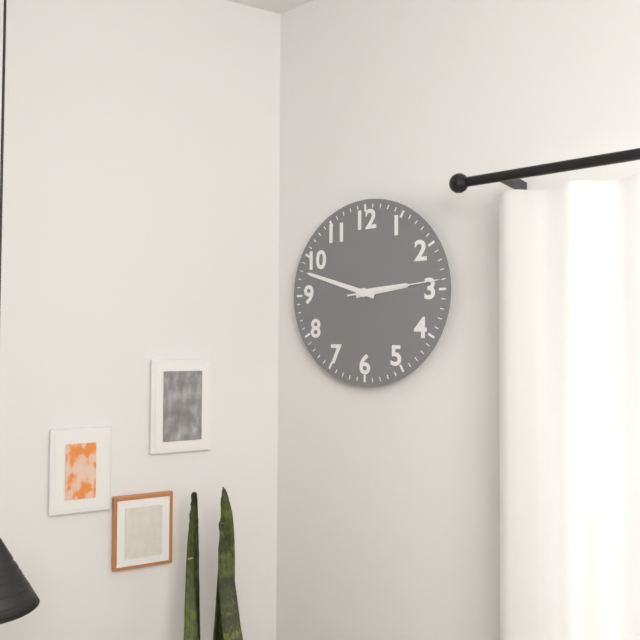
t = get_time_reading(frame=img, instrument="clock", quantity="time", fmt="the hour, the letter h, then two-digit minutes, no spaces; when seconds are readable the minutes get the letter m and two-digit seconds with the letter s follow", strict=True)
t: 2h48m14s
